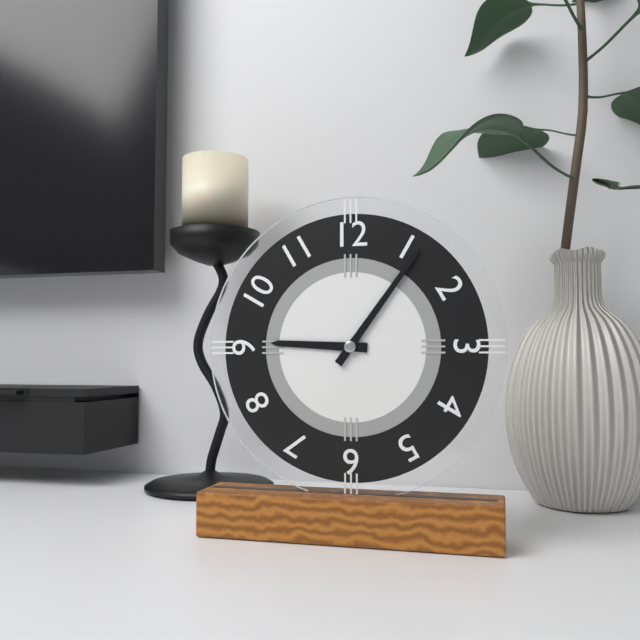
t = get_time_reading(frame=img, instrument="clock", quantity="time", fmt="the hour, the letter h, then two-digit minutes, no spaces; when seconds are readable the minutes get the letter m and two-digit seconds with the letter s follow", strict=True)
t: 9h06
